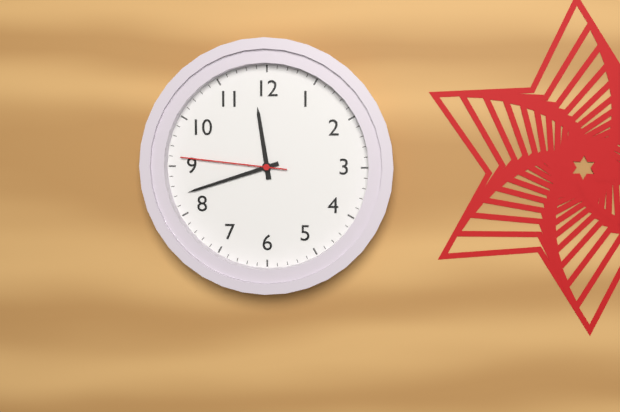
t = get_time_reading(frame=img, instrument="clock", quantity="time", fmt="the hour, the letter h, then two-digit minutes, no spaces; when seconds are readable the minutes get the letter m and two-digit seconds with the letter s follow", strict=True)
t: 11h42m46s
